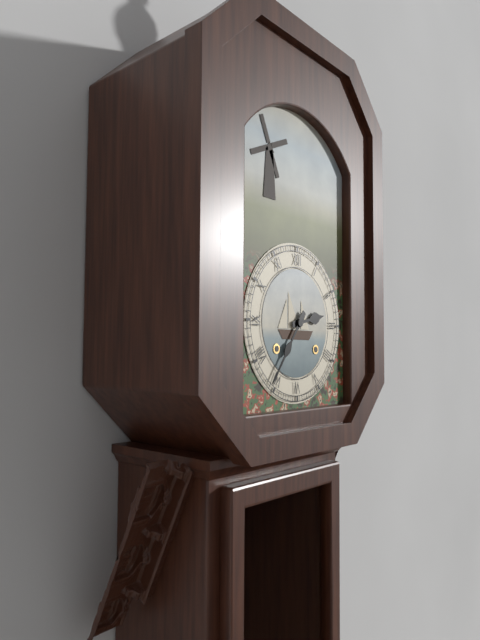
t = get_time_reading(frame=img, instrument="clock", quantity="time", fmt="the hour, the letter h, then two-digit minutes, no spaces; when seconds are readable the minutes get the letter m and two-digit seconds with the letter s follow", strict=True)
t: 2h36
